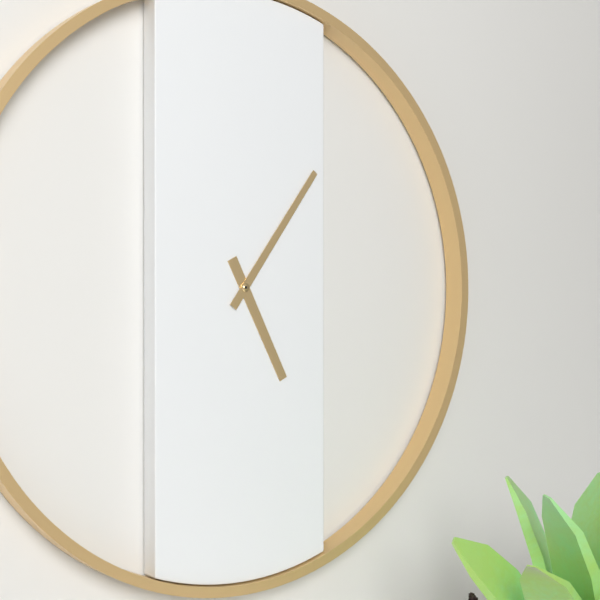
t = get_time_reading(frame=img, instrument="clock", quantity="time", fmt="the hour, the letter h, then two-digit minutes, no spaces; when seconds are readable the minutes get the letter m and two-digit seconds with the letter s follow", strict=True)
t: 5h06
